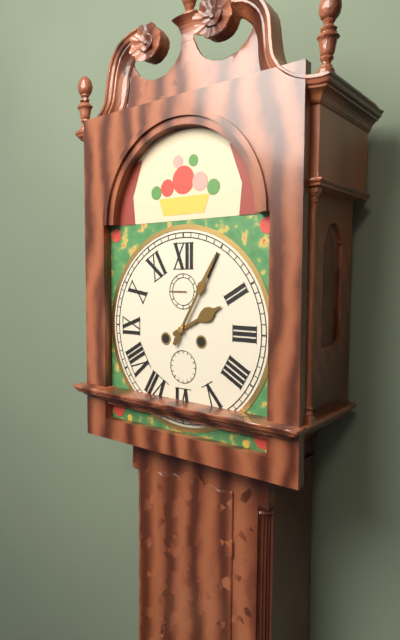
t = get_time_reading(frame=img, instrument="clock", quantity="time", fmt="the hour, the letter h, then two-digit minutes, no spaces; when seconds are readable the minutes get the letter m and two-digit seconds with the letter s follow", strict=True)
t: 2h05
